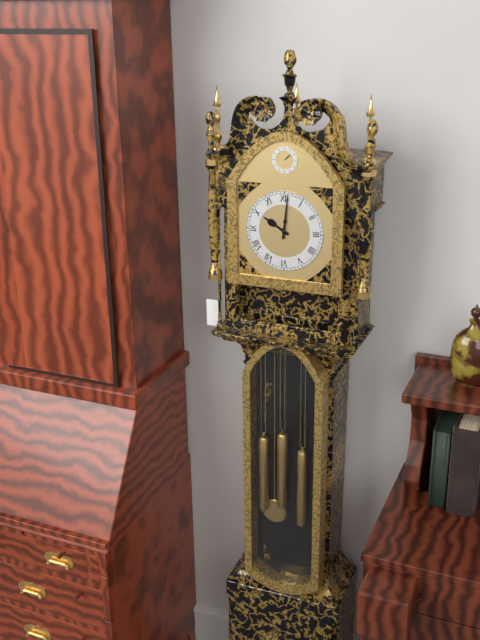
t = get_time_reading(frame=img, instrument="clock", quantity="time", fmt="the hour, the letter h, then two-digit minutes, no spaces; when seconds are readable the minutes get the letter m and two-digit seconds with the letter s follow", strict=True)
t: 10h01
